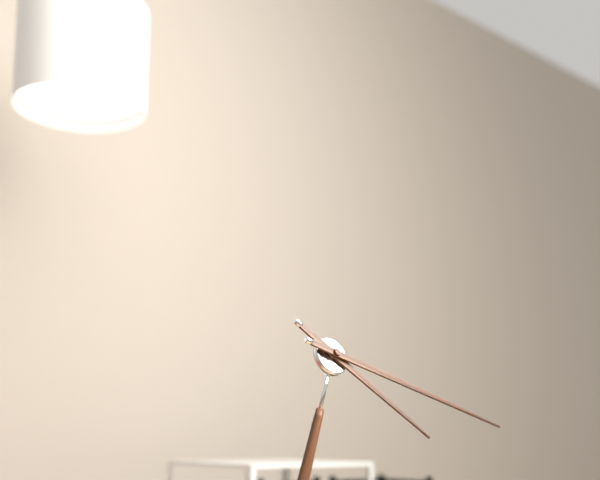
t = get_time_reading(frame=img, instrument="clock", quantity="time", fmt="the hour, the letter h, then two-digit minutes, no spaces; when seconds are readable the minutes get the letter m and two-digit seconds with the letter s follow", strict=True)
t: 4h18
